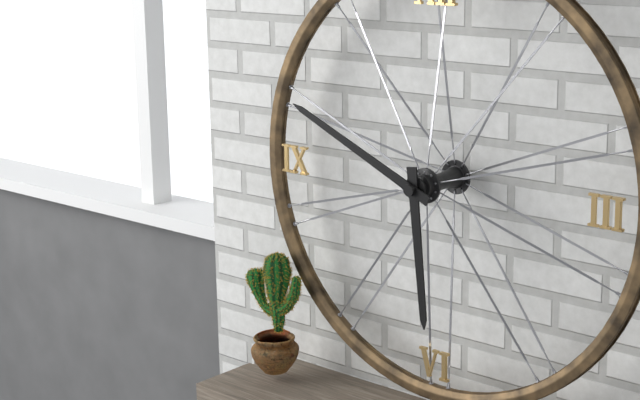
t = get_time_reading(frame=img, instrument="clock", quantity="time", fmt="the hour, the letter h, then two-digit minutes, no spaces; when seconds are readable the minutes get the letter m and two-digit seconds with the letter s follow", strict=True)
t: 5h49
